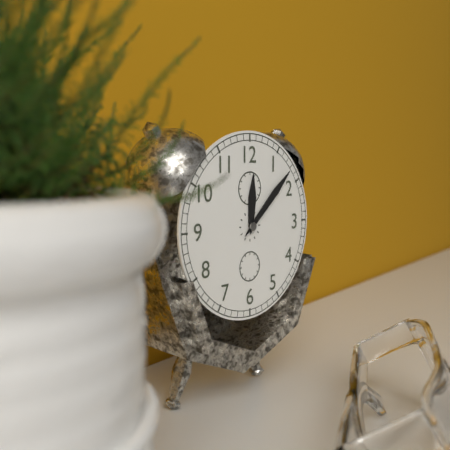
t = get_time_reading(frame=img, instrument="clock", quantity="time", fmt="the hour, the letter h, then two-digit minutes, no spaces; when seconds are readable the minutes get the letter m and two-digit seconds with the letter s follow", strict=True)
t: 12h08
